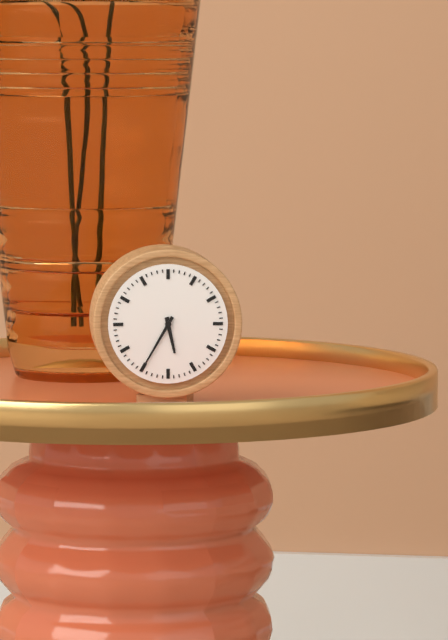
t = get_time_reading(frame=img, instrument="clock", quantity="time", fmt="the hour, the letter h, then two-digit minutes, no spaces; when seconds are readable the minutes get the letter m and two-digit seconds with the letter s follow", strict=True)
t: 5h35
